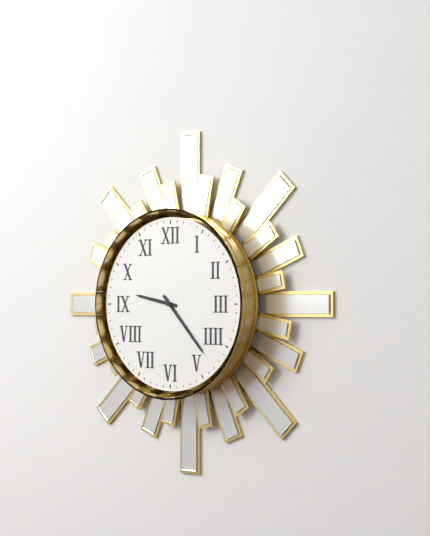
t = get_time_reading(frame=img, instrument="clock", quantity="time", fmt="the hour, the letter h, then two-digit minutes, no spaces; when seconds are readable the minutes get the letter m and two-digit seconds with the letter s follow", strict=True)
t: 9h23
